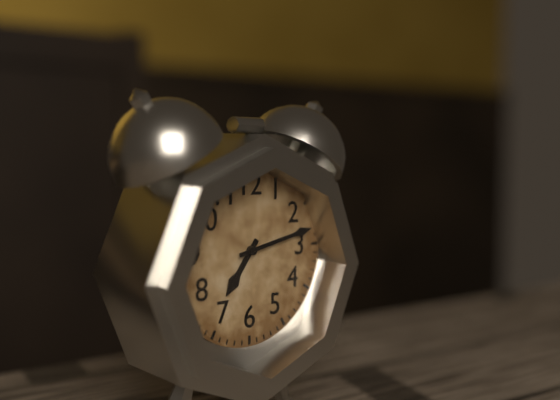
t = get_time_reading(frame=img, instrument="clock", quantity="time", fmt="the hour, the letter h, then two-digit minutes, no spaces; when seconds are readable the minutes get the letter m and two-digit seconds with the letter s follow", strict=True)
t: 7h13
